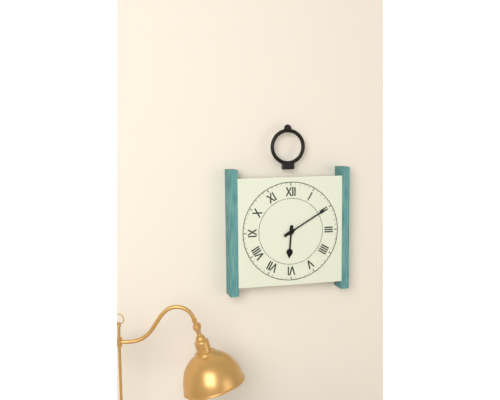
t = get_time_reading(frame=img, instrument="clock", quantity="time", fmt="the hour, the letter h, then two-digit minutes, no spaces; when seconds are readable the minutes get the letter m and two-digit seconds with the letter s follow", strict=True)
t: 6h10
